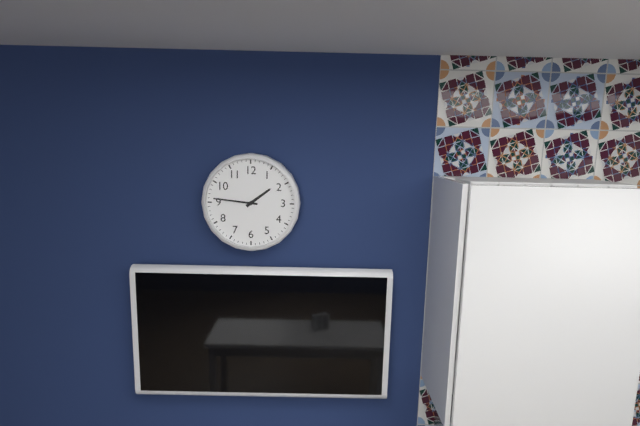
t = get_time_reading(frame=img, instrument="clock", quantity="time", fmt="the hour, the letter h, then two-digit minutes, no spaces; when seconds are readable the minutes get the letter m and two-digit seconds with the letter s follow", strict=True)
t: 1h46
